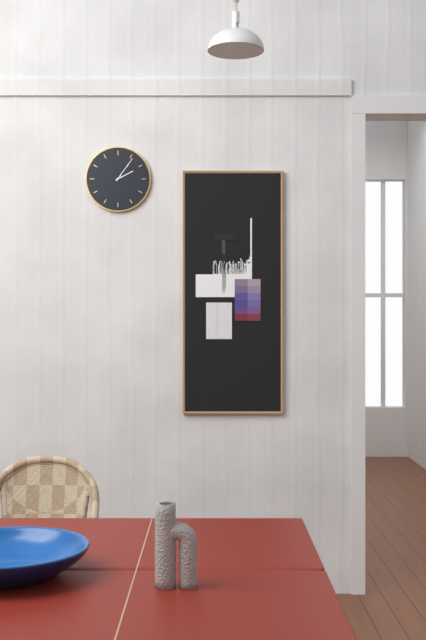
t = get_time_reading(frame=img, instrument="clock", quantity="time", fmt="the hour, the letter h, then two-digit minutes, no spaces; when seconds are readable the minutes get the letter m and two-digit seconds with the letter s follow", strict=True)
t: 2h06
